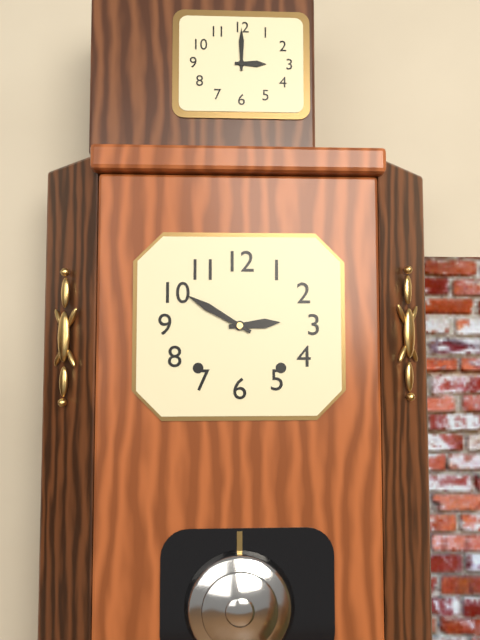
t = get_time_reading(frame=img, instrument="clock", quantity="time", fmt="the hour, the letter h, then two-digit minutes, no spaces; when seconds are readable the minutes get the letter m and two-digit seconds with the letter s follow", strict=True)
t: 2h50
